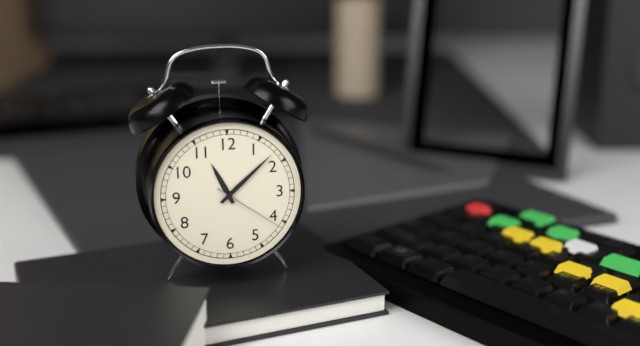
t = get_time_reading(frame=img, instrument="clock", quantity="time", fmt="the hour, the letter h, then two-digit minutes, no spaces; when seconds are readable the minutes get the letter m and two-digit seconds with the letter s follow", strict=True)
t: 11h08m21s
